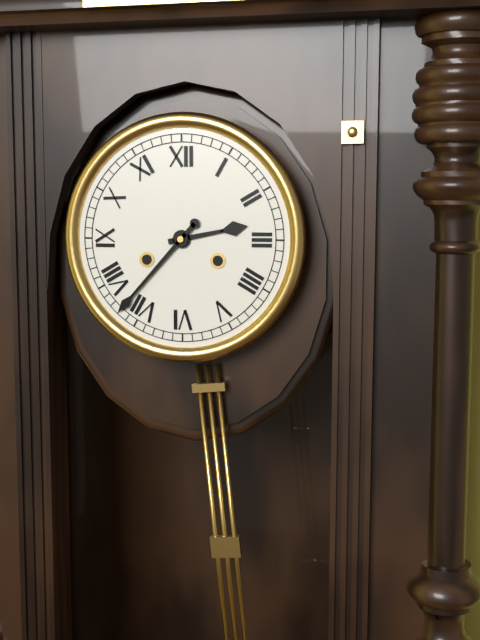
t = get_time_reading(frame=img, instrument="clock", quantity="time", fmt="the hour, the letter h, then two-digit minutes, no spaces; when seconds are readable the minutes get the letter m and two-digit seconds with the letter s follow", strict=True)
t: 2h37
